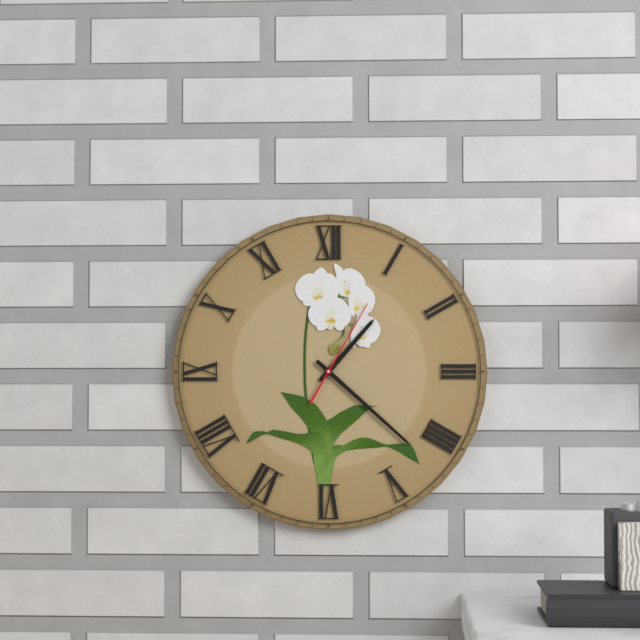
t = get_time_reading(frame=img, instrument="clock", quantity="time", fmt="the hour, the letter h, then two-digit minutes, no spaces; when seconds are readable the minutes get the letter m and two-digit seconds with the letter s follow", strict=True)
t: 1h22m05s
